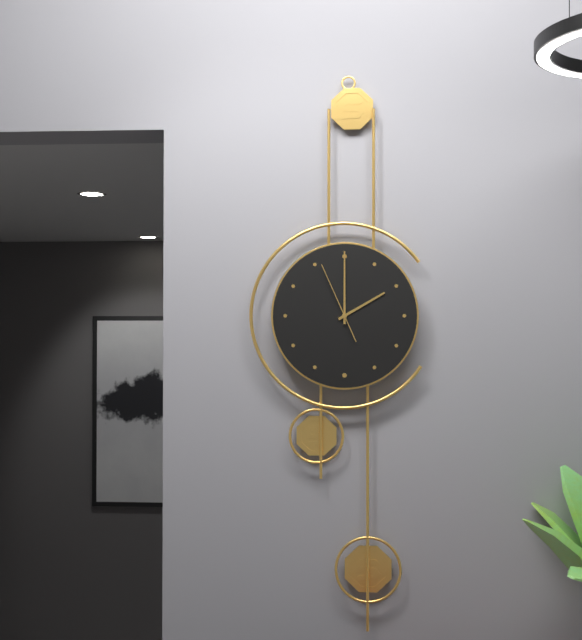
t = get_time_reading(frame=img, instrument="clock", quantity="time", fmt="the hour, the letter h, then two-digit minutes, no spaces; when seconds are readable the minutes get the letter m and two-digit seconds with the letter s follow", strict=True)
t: 2h00m56s
